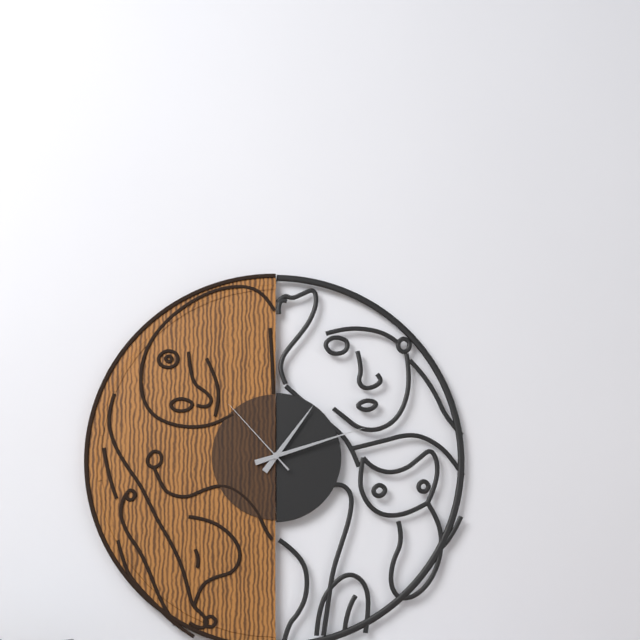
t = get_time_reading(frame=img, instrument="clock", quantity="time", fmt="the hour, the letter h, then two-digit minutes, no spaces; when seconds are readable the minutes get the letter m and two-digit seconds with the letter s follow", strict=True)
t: 1h12m53s
